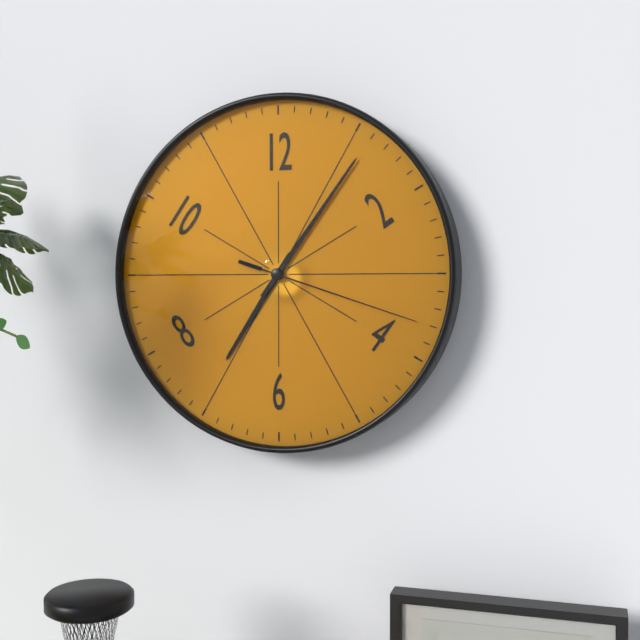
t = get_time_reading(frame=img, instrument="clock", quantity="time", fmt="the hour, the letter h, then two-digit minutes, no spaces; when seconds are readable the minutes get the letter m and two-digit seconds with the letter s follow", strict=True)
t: 7h06m18s
